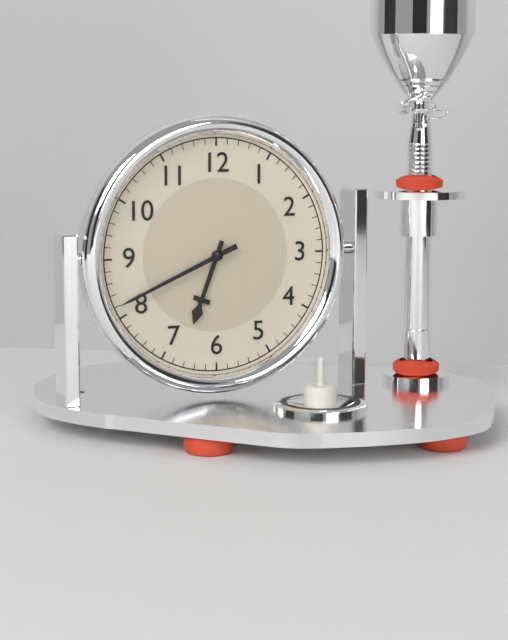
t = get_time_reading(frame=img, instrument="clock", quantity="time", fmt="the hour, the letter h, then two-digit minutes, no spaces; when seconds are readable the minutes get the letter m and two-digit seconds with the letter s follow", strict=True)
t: 6h41
